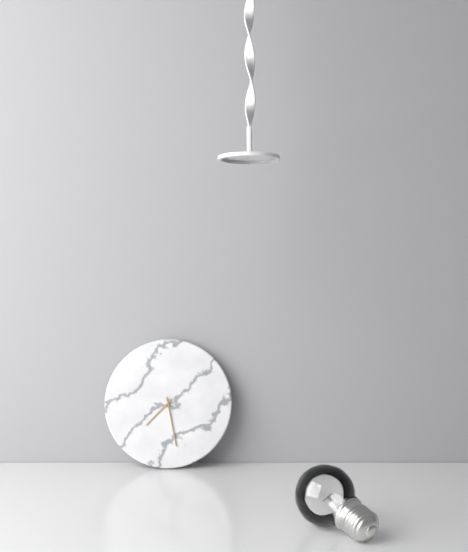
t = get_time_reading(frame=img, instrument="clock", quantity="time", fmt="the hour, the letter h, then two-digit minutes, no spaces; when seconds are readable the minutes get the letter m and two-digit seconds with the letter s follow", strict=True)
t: 7h28
